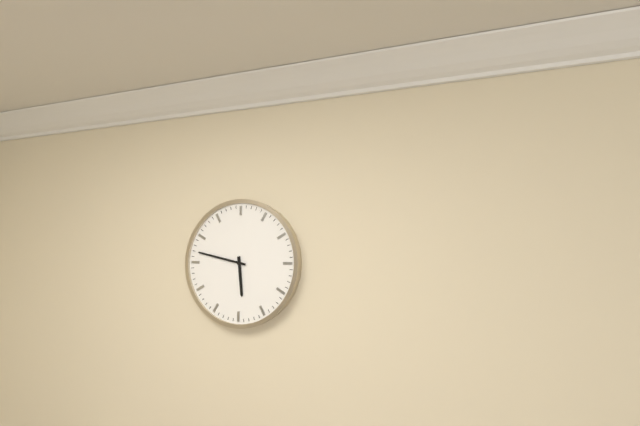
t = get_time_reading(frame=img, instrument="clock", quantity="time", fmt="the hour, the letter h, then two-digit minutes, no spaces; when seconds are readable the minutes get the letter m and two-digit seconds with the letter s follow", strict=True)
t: 5h47
